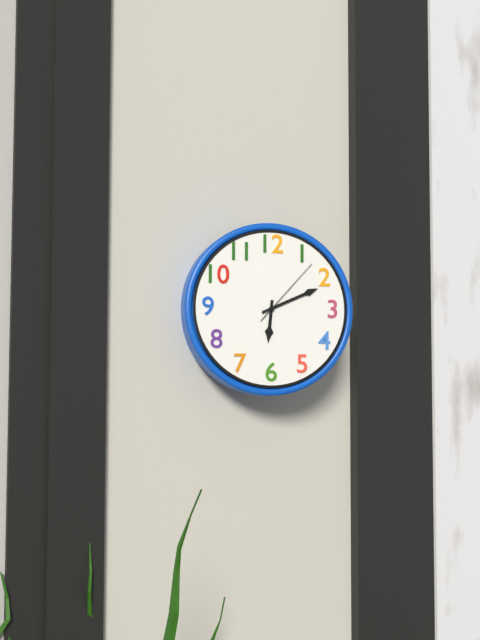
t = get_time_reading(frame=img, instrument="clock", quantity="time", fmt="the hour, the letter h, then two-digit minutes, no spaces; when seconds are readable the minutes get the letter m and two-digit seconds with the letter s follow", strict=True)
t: 6h11m07s
